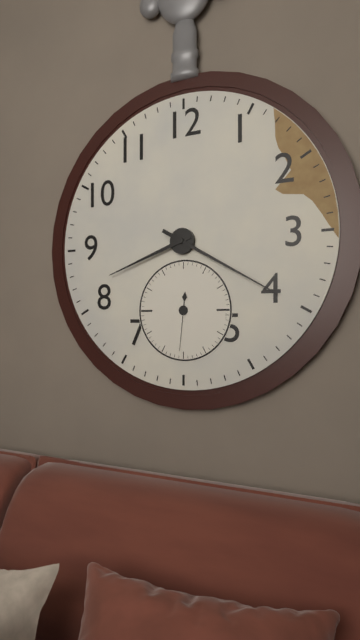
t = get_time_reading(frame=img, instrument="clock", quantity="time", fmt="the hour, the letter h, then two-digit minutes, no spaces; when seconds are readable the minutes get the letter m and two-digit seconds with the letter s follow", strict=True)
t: 8h20m31s
